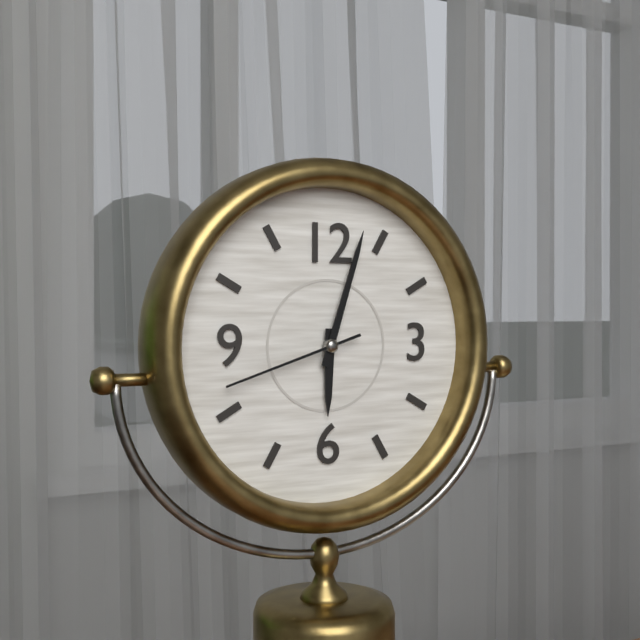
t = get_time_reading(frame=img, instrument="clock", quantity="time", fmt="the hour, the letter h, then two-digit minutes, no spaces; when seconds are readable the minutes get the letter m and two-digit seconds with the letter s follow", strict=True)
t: 6h03m42s
